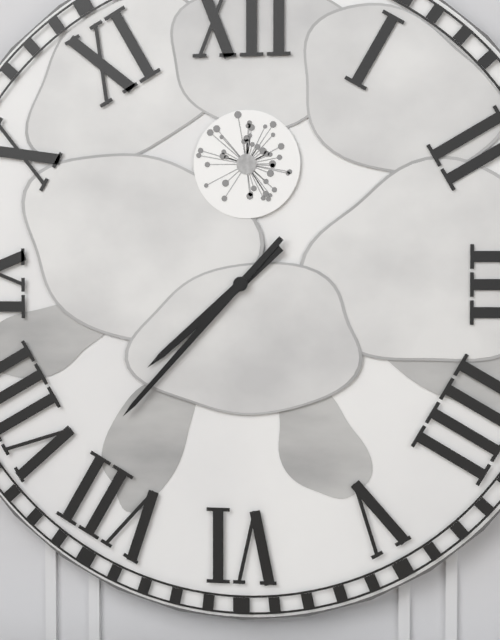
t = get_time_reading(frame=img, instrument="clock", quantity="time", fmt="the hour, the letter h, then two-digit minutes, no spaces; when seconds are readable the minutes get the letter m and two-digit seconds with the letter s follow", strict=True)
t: 7h37
